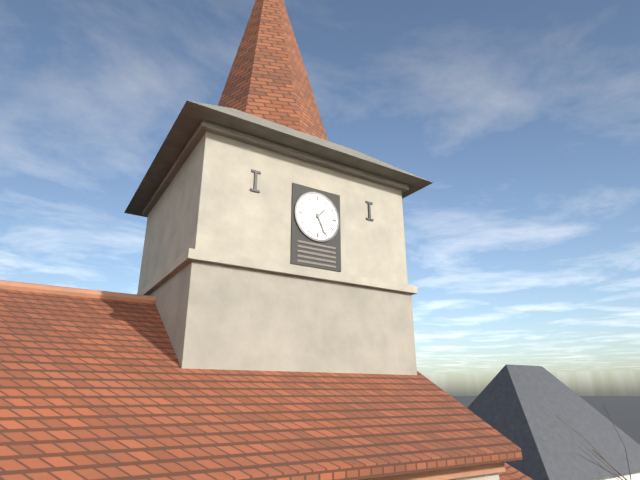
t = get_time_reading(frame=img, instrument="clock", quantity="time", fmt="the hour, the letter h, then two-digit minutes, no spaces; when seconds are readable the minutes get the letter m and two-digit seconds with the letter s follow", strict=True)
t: 1h26
